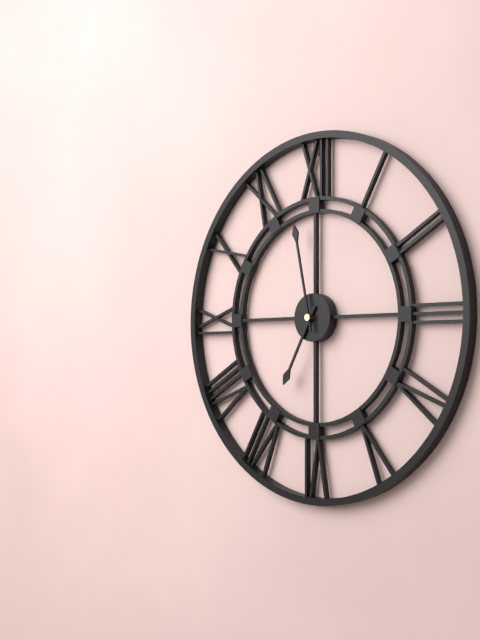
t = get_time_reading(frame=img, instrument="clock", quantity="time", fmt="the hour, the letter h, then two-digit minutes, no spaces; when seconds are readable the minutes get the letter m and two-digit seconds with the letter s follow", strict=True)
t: 6h58
